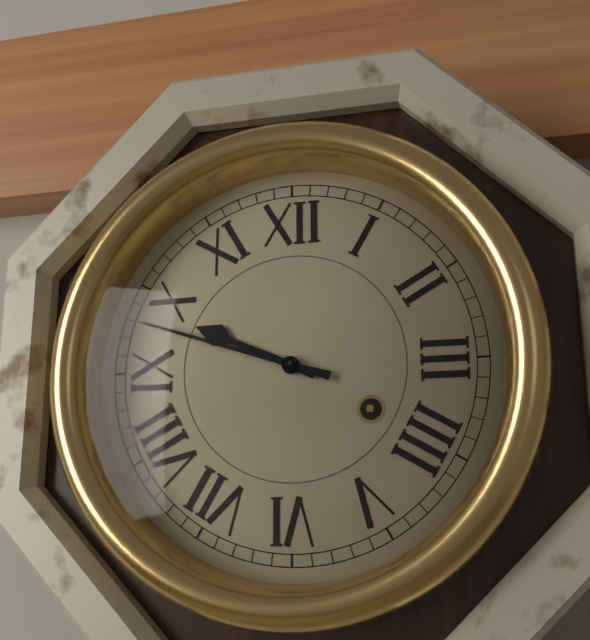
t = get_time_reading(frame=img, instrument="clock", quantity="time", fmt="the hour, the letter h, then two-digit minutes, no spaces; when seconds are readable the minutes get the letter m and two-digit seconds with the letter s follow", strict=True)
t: 9h48
